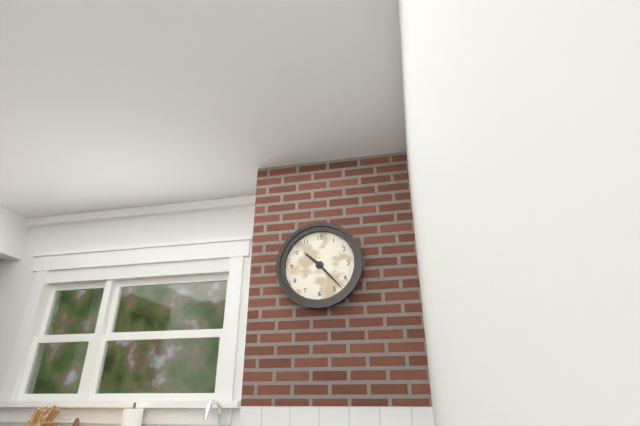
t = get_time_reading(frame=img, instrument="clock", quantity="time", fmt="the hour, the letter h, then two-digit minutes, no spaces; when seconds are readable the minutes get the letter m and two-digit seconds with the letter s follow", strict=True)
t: 10h23
